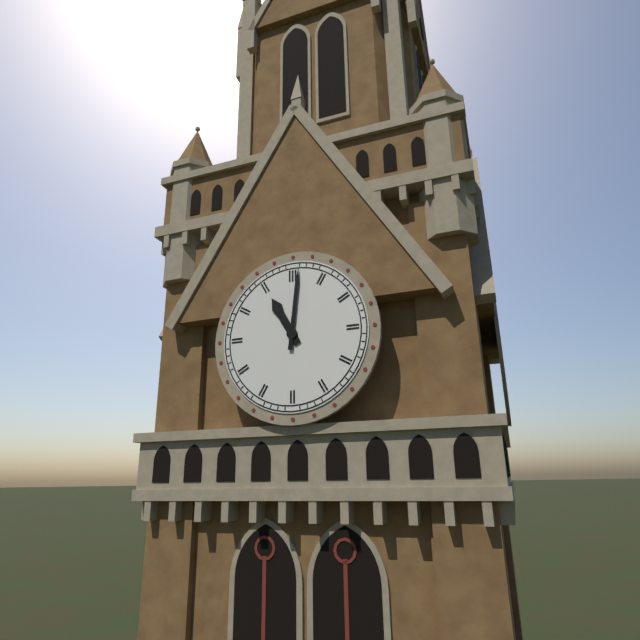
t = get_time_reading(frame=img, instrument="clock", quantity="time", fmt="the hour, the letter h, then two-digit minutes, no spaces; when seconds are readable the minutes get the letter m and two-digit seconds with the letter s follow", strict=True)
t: 11h01
